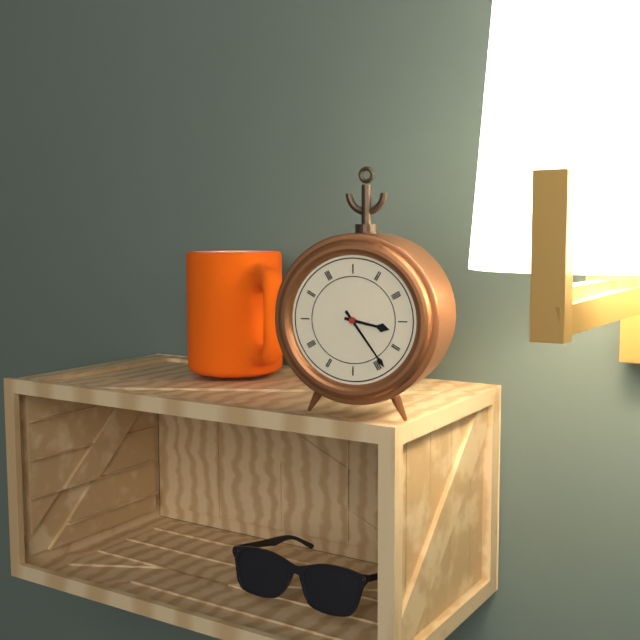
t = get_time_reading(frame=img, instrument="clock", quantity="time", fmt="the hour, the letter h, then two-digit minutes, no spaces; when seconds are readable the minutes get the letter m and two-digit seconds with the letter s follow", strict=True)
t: 3h24
